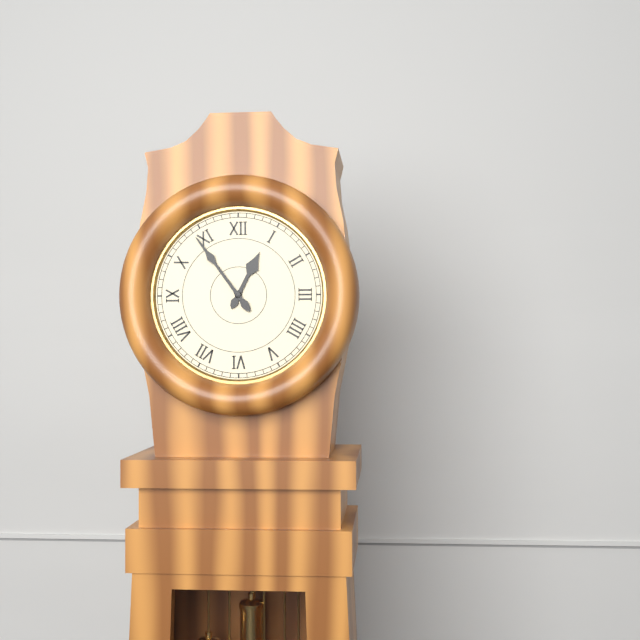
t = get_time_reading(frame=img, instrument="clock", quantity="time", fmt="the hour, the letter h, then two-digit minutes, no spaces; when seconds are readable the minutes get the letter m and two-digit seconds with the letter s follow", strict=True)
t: 12h54
